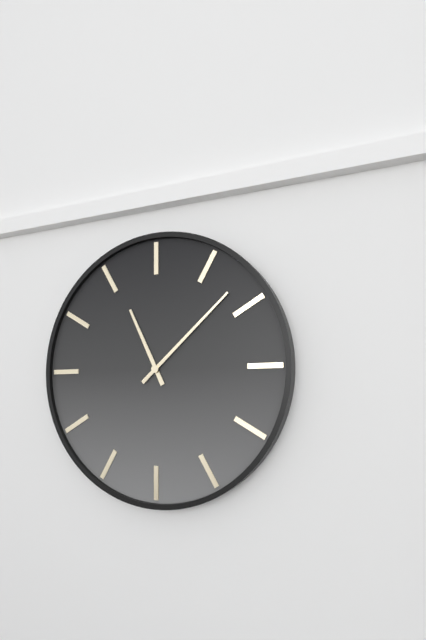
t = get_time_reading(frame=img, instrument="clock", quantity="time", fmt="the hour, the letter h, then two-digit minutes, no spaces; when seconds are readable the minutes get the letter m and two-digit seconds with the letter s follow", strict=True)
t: 11h08
